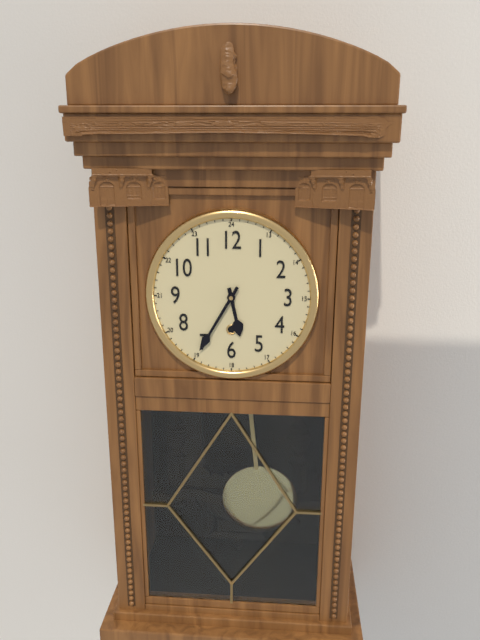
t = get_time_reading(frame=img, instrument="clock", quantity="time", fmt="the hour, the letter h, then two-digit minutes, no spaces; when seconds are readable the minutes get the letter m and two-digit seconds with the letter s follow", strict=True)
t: 5h35
